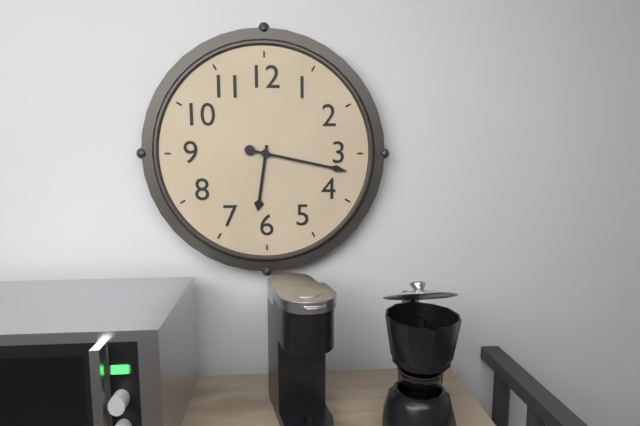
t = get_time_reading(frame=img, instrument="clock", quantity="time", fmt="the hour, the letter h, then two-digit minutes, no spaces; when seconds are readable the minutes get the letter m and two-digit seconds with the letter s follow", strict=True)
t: 6h17
